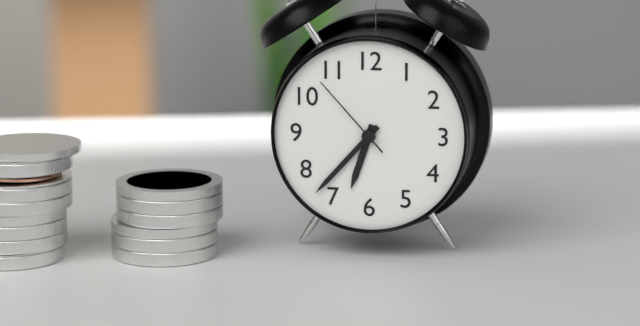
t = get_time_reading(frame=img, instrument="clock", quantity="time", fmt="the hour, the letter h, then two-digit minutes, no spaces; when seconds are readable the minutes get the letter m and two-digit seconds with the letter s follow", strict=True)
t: 6h37m53s
